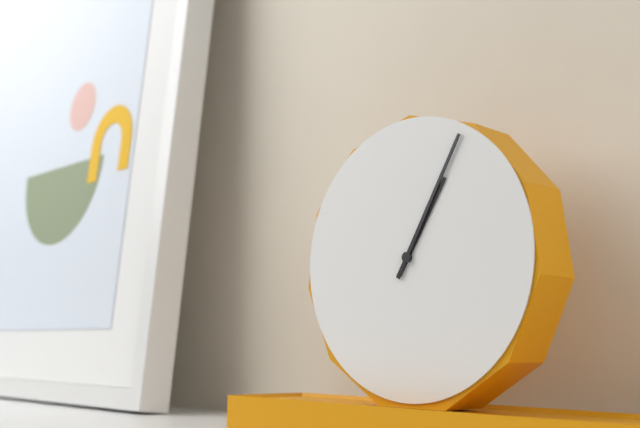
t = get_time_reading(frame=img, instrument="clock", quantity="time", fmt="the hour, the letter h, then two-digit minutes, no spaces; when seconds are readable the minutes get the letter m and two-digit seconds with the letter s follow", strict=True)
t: 1h05
